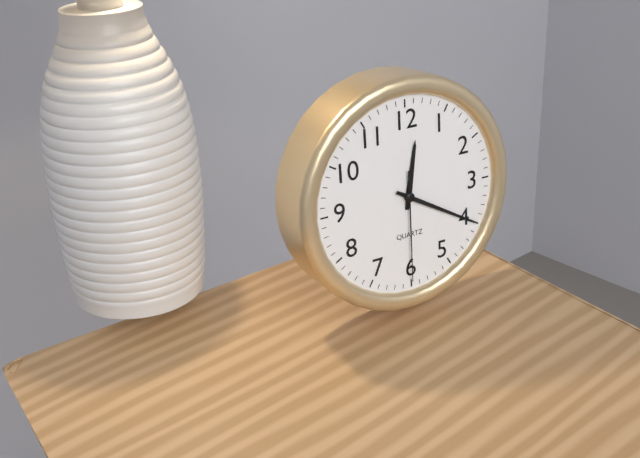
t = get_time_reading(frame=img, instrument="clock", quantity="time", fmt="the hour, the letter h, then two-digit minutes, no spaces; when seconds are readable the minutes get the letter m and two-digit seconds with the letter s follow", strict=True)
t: 12h20m30s
